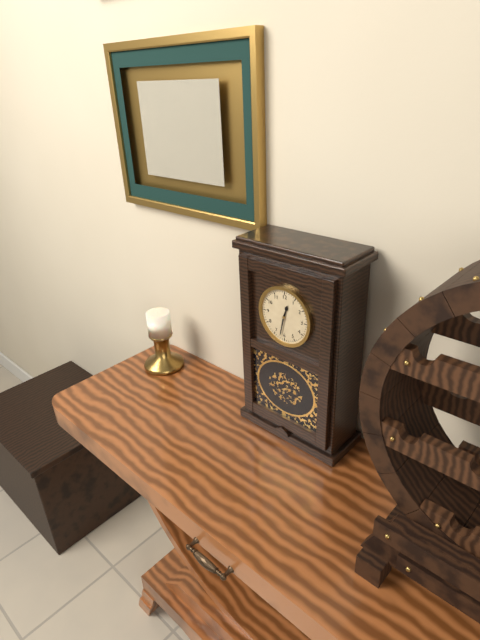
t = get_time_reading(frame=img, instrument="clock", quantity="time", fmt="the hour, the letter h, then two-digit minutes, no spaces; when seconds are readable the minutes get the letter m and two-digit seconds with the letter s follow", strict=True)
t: 12h32
